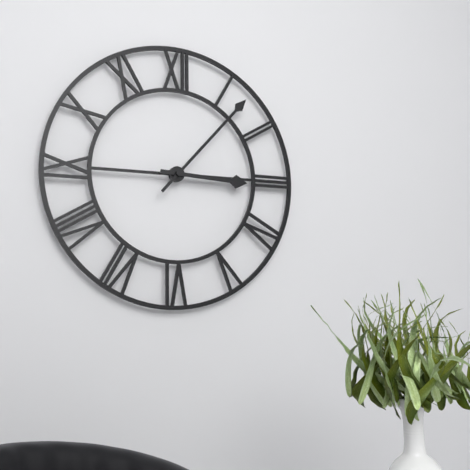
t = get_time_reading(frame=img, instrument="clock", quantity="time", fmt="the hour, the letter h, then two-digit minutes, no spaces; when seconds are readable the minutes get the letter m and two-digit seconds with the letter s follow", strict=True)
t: 3h07
